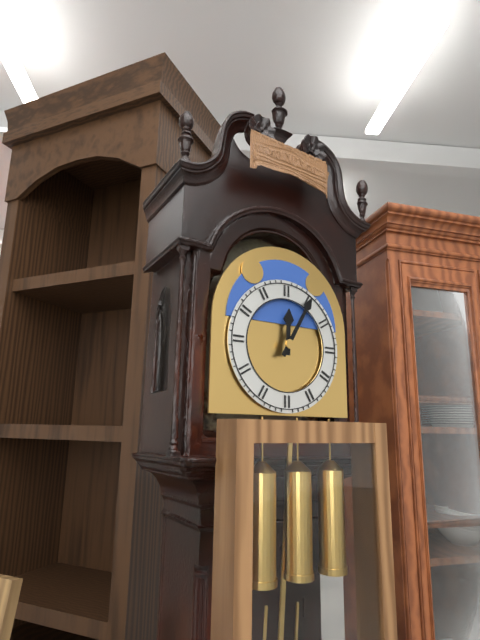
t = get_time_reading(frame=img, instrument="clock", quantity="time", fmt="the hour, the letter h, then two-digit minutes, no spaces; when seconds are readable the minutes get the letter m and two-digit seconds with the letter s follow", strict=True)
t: 12h05
